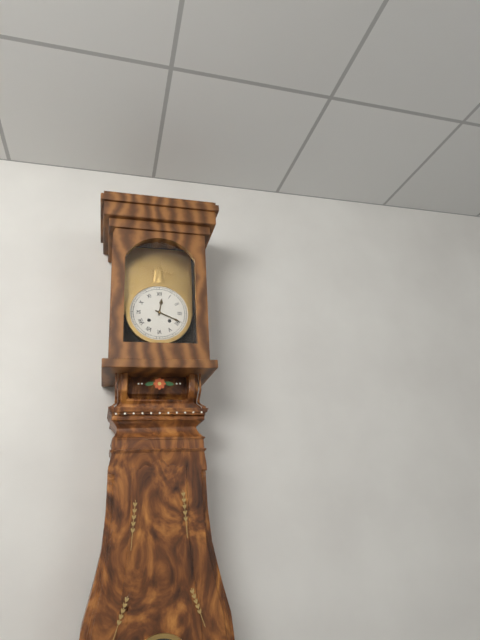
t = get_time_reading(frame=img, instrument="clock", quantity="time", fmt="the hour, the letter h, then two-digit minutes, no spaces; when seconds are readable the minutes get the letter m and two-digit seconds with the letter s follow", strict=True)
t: 12h19
